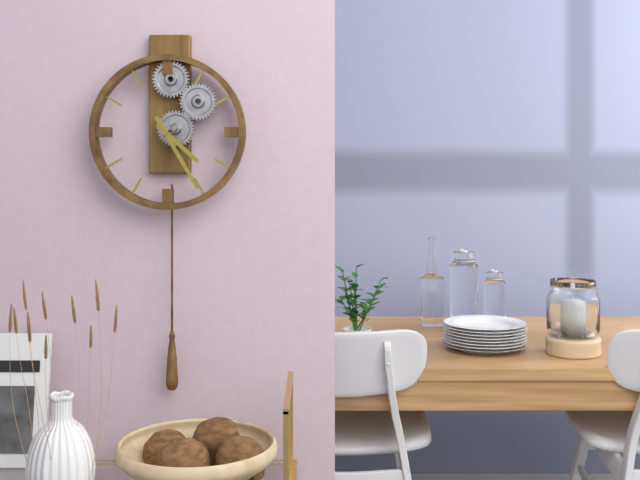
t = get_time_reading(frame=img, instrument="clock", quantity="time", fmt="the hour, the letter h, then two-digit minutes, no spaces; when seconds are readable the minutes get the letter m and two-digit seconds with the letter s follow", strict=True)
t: 4h25
